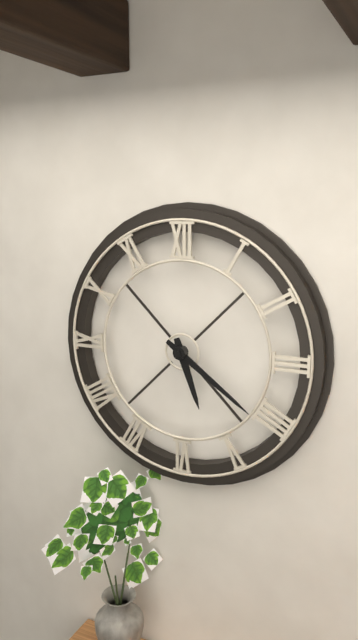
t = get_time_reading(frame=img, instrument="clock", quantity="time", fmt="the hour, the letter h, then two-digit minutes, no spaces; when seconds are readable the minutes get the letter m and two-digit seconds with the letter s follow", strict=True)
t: 5h21
